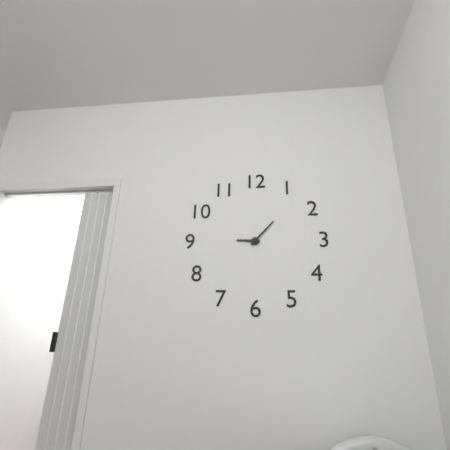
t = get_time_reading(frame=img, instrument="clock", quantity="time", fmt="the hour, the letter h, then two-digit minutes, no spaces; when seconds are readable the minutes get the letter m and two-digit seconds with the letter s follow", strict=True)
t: 9h07
